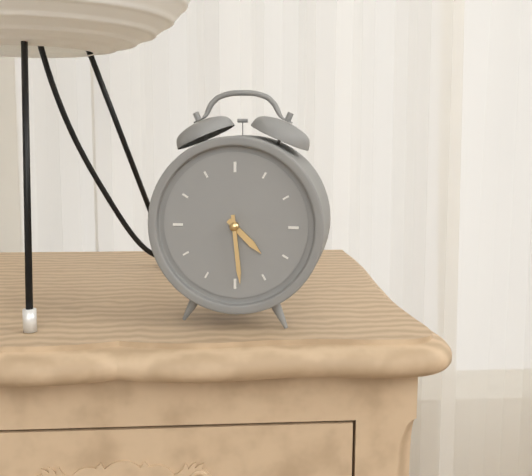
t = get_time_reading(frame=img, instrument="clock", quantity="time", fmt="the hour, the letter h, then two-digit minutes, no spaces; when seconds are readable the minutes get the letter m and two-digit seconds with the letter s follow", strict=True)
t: 4h29
